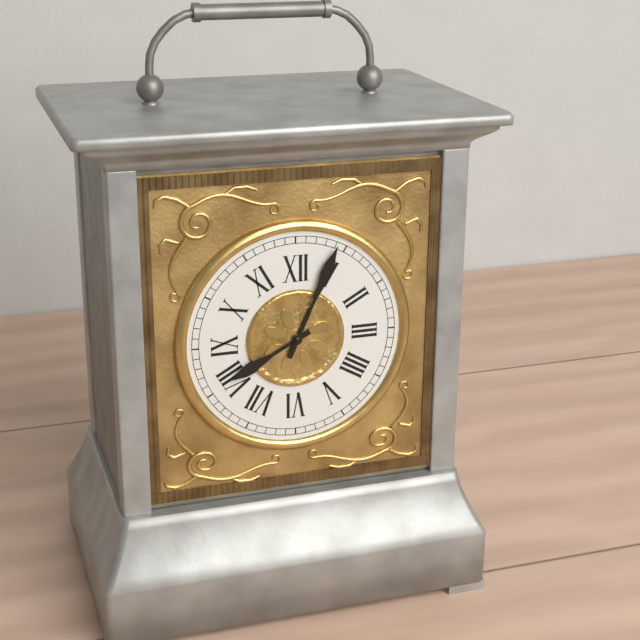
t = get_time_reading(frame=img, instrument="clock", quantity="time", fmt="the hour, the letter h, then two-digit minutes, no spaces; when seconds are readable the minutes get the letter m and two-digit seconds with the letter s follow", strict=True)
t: 8h04
